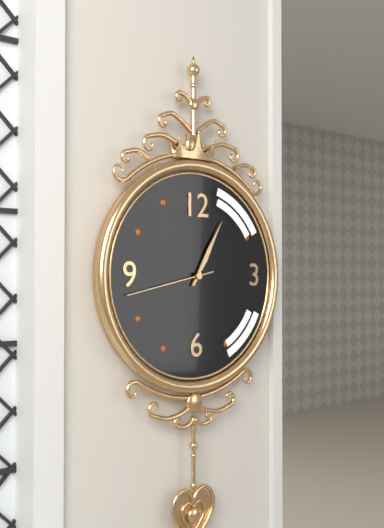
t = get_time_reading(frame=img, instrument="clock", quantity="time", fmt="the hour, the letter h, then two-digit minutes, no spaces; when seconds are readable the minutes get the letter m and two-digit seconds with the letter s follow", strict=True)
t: 1h05m43s
